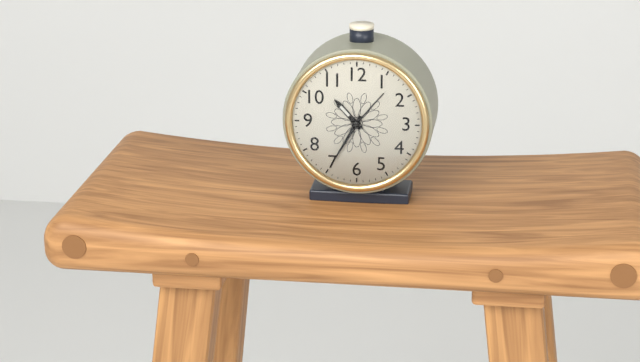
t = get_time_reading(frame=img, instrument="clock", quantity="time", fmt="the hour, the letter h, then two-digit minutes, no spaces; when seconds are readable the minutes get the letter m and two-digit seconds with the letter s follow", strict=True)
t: 10h35
